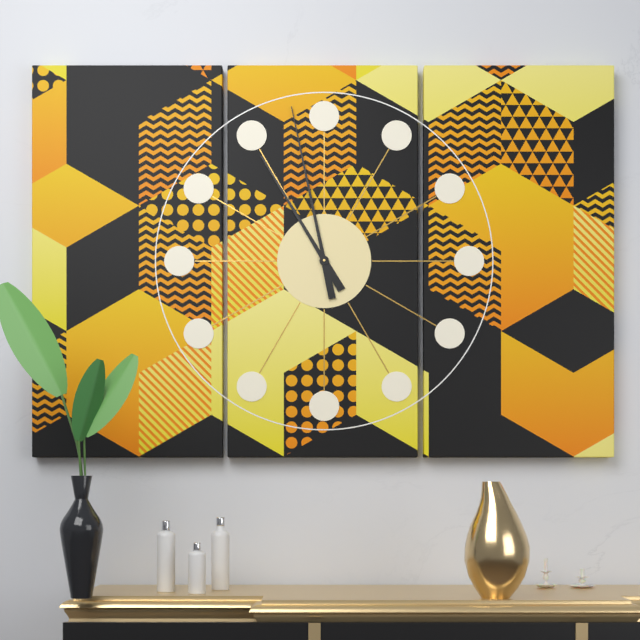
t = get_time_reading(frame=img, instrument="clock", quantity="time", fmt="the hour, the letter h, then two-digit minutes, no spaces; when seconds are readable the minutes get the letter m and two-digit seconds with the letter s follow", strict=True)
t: 10h58
